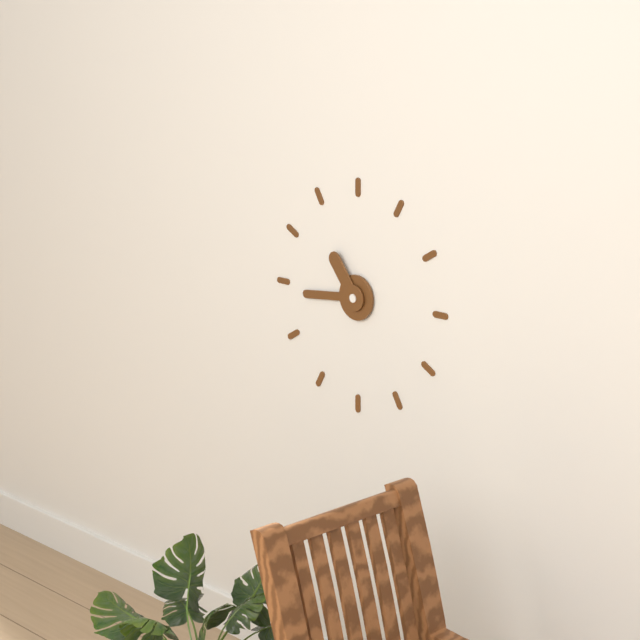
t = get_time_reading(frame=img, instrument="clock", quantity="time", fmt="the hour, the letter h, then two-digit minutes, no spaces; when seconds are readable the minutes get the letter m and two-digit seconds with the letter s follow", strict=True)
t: 10h44
